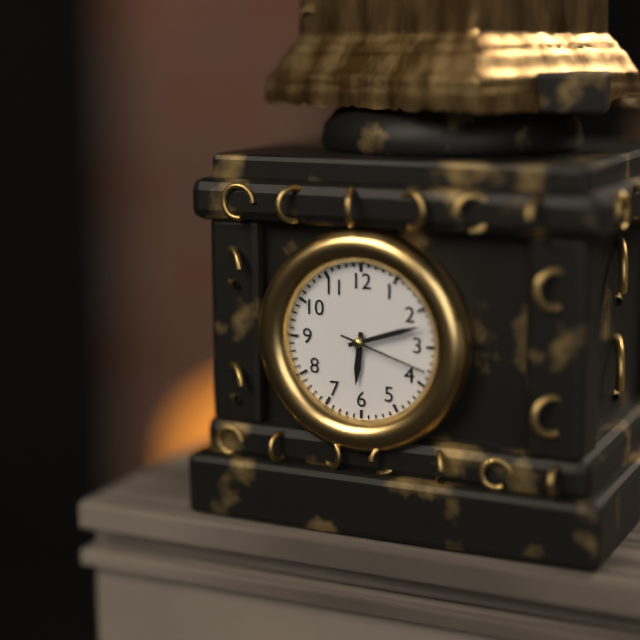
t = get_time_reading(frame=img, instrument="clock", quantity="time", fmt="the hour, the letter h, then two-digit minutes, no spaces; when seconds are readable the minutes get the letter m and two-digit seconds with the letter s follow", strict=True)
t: 6h12m18s
